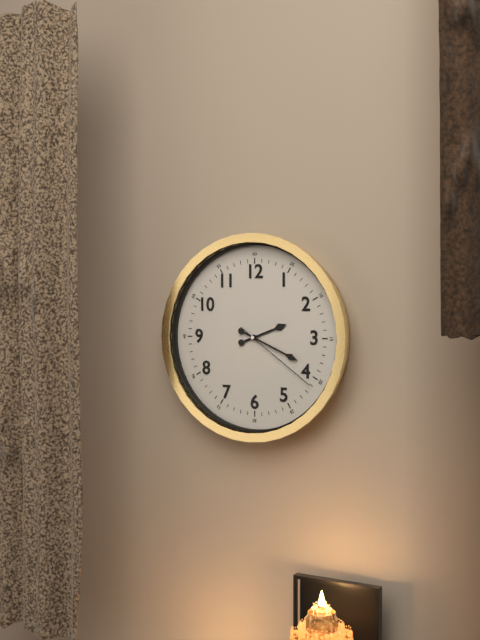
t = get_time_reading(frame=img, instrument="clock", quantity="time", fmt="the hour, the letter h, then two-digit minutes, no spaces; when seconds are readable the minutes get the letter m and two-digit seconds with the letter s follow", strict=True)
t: 2h19m21s
